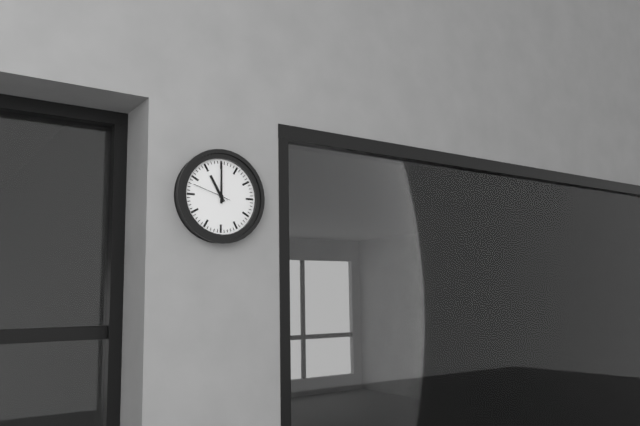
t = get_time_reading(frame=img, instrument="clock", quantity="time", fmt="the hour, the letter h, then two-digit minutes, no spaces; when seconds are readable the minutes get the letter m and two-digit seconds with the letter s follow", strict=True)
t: 11h00
